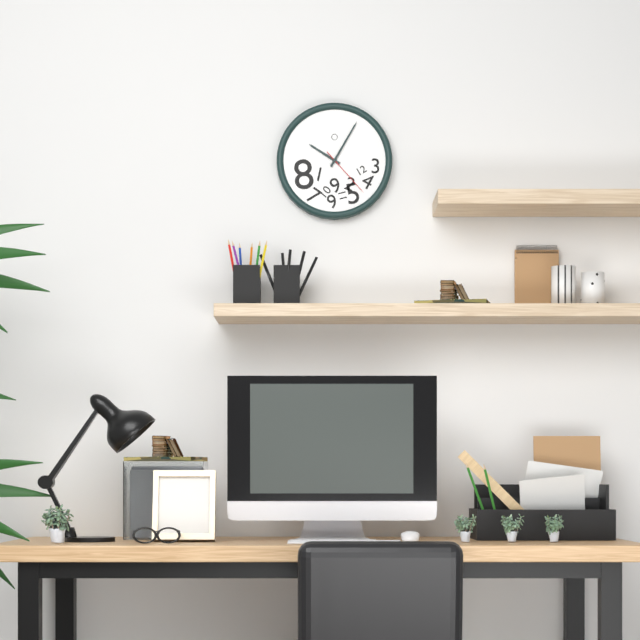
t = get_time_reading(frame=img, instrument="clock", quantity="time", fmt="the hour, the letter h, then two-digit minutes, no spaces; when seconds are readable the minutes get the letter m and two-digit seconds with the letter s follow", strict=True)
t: 10h05m23s
